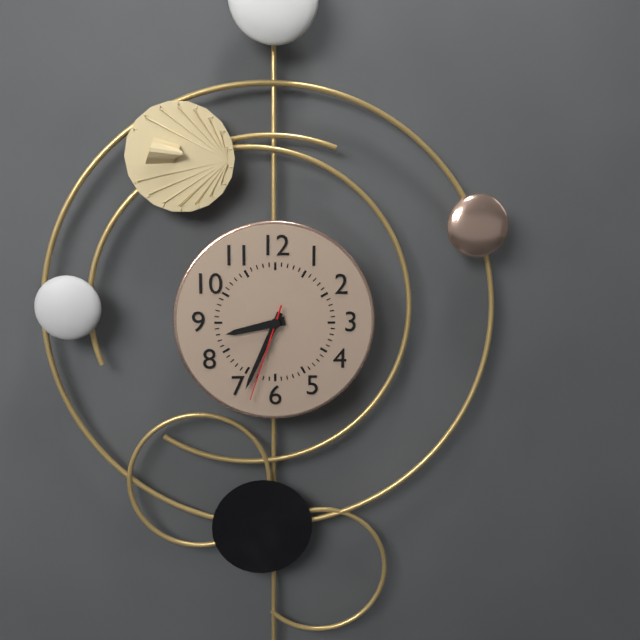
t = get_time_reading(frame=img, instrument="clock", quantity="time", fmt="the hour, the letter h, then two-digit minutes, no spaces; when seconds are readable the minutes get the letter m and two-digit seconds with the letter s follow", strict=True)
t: 8h34m33s
